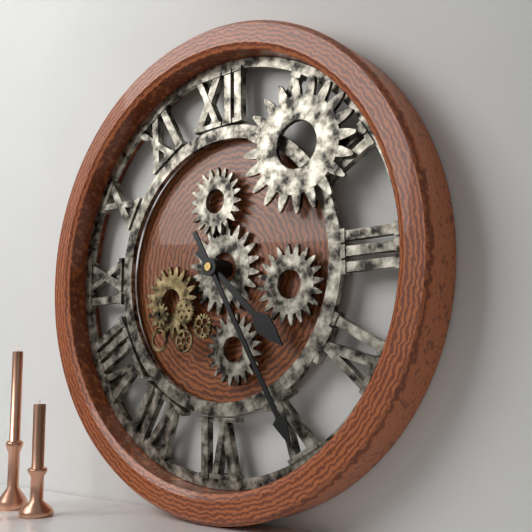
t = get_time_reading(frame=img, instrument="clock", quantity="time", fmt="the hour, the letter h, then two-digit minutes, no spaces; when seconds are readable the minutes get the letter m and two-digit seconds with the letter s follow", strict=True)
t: 4h25
